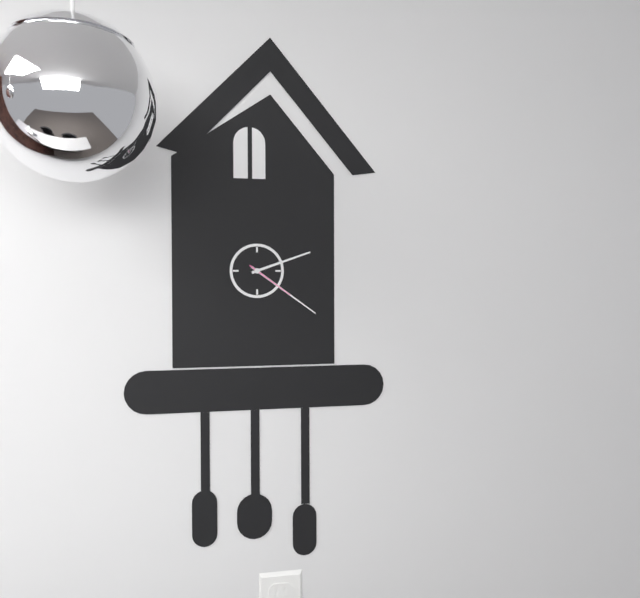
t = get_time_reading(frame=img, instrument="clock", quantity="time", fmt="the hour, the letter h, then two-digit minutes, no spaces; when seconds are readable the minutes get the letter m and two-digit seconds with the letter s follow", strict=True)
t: 2h21m21s
